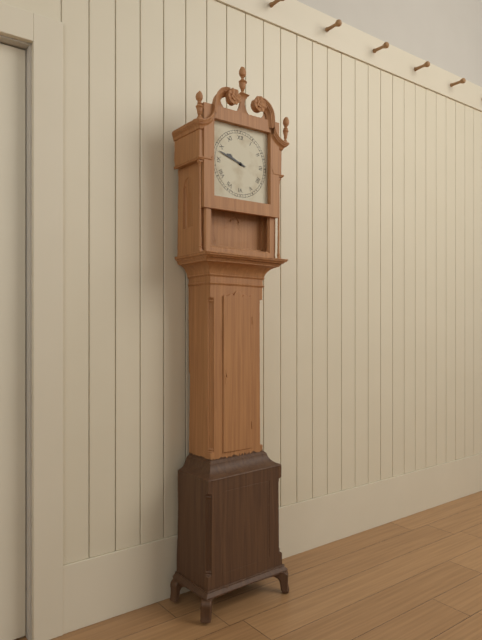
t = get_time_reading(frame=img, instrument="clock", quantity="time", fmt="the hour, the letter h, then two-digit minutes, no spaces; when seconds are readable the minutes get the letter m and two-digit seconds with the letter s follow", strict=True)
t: 9h48
